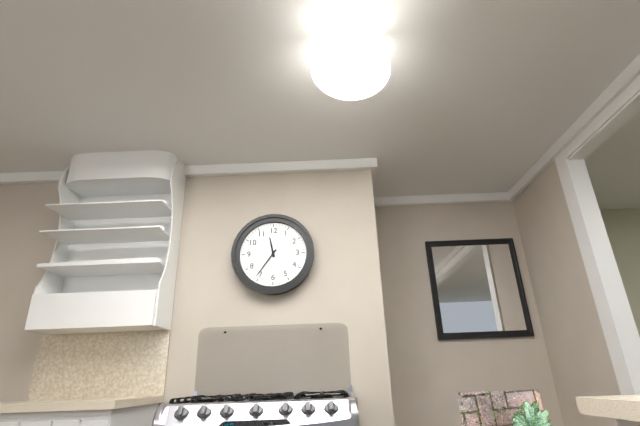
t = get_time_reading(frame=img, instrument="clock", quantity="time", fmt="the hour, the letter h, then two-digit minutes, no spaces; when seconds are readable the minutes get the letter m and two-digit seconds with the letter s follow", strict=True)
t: 11h36
